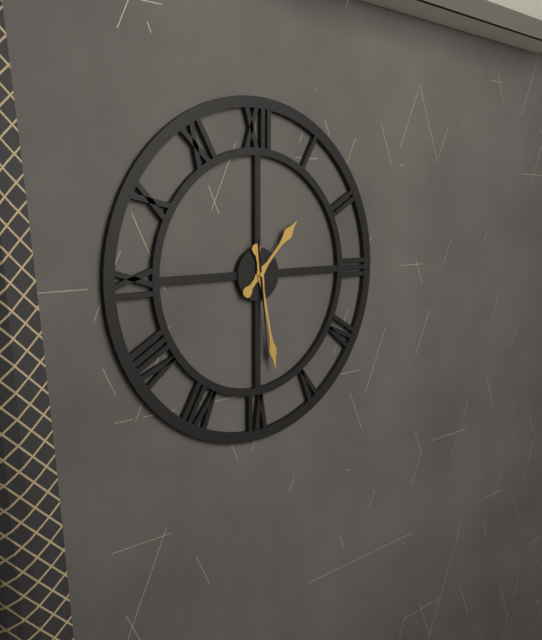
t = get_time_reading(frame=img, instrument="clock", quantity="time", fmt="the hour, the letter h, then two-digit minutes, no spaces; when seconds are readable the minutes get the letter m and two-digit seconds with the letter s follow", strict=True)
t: 1h28m29s
